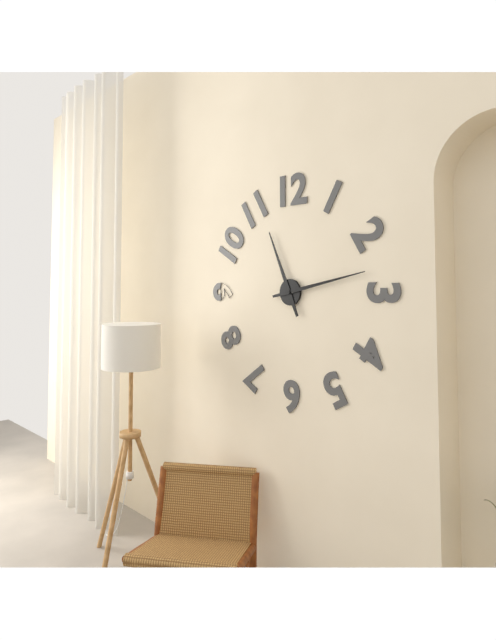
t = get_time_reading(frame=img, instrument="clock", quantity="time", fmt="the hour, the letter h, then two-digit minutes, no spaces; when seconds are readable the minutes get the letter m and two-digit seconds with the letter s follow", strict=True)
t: 11h13
